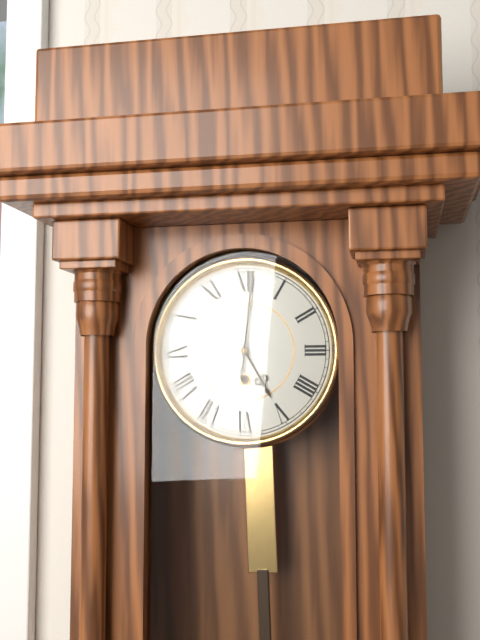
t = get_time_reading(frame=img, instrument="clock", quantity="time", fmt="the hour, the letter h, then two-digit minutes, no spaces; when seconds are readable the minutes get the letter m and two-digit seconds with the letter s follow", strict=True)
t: 5h01
